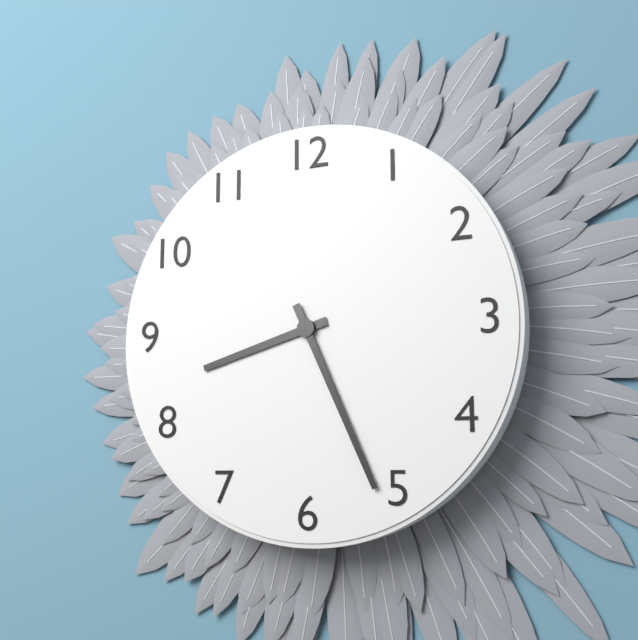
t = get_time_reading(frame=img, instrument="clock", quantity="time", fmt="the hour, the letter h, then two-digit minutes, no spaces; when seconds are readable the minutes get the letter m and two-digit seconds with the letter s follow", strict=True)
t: 8h26
